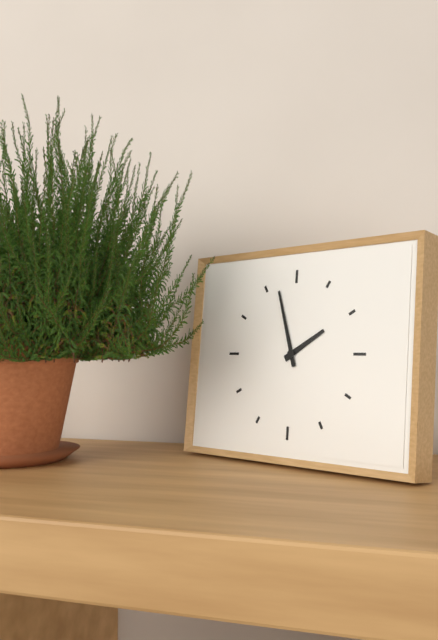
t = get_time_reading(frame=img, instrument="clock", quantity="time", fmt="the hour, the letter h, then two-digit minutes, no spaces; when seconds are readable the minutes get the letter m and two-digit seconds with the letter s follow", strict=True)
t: 1h57
